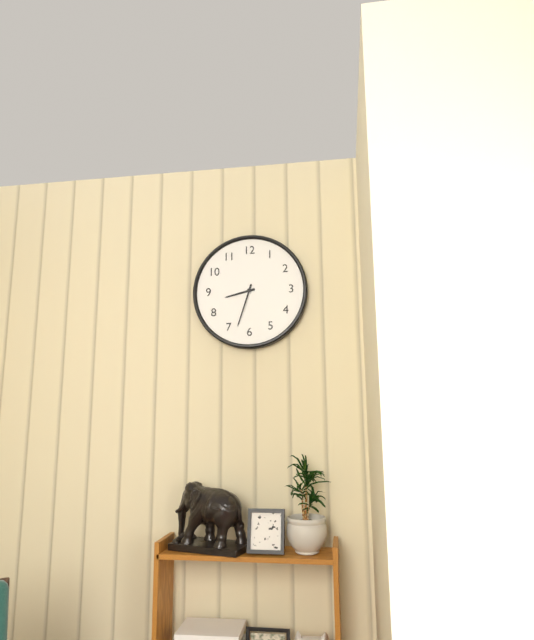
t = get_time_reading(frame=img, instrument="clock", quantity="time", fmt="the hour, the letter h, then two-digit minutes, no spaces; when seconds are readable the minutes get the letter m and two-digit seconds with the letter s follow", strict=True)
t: 8h33
